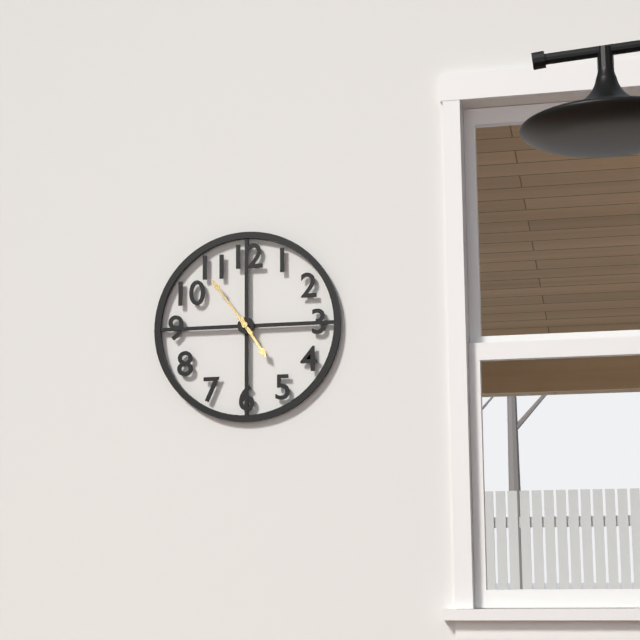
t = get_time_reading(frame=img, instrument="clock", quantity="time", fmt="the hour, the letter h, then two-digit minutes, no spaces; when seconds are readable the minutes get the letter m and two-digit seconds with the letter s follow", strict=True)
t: 4h54
